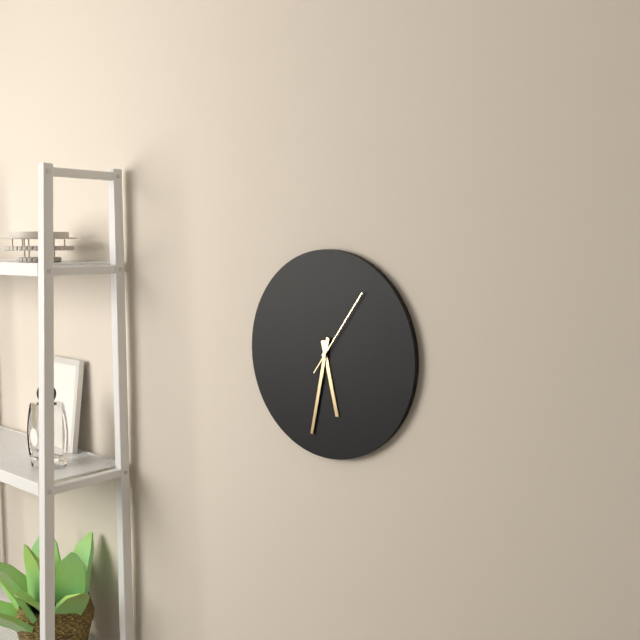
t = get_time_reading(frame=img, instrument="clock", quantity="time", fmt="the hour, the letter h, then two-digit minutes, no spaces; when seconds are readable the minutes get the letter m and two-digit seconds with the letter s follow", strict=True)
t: 5h32m06s
